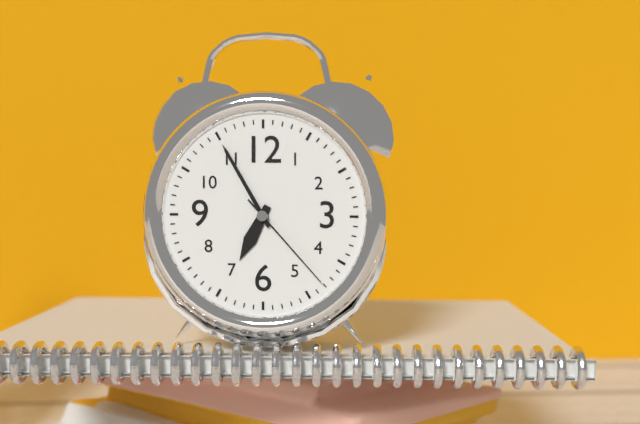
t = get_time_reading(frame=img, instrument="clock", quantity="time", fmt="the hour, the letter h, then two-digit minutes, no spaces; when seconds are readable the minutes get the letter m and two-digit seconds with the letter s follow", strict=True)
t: 6h55m23s
